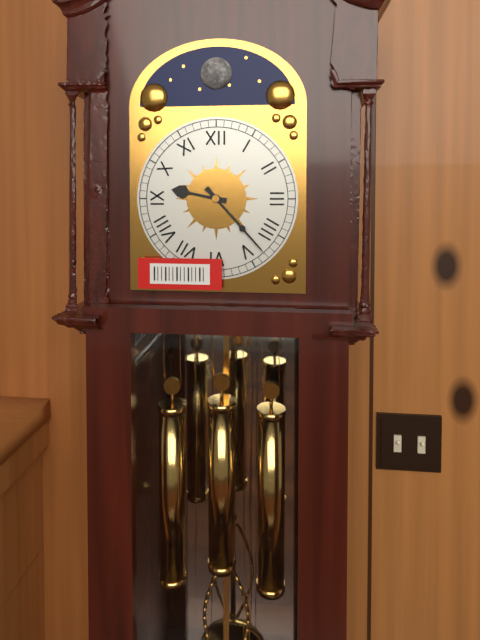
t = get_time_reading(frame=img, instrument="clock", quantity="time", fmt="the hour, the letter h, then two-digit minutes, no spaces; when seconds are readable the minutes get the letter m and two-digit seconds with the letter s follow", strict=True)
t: 9h23
